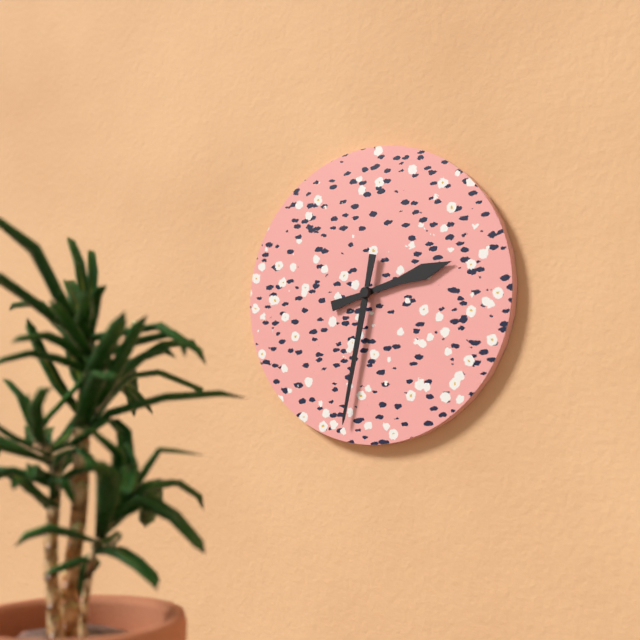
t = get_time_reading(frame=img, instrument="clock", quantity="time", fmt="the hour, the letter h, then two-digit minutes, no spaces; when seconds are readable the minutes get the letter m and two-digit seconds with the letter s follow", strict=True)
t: 2h32
